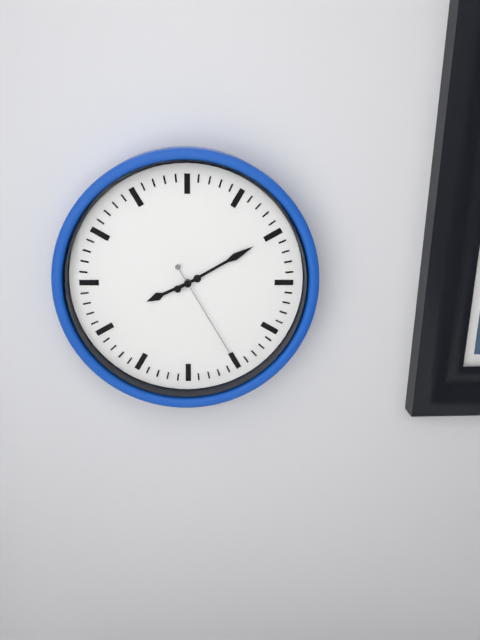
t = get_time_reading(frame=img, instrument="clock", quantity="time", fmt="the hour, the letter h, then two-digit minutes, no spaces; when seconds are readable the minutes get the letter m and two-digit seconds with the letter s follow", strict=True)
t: 8h10m25s
